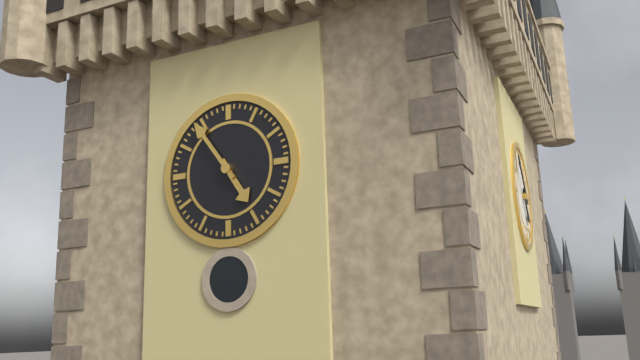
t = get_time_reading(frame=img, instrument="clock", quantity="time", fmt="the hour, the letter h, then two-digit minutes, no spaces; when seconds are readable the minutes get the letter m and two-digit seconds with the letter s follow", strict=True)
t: 4h54
